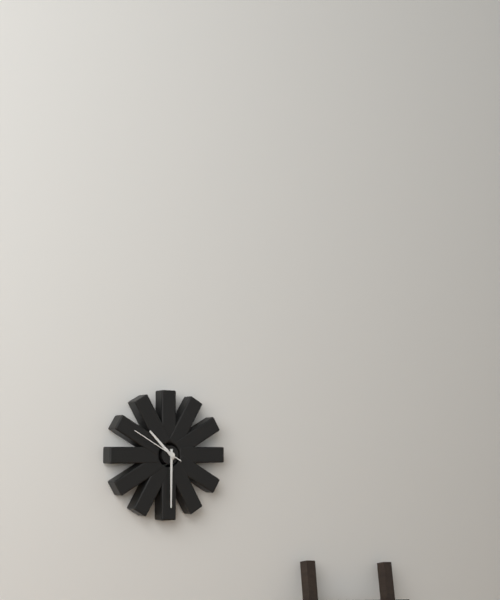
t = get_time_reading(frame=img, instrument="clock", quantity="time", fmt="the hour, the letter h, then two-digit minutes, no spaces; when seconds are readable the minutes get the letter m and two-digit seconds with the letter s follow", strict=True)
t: 10h30m50s
